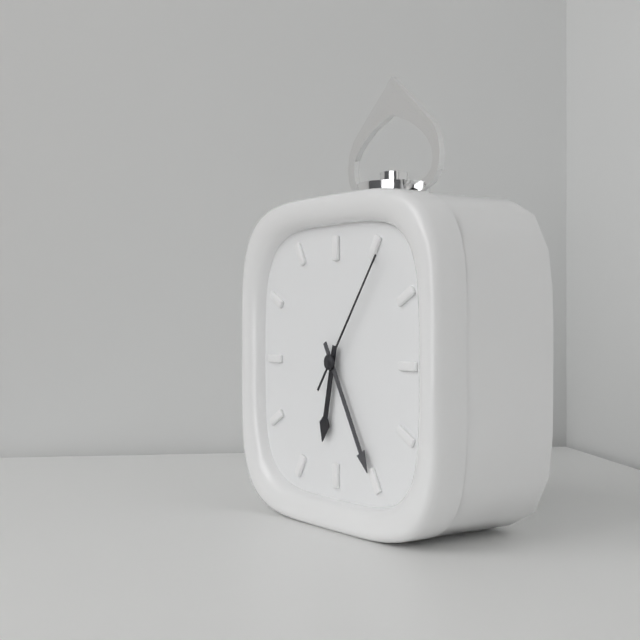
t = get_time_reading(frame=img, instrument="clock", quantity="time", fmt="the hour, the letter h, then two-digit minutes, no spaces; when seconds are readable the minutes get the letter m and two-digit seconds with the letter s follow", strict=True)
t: 6h25m06s
